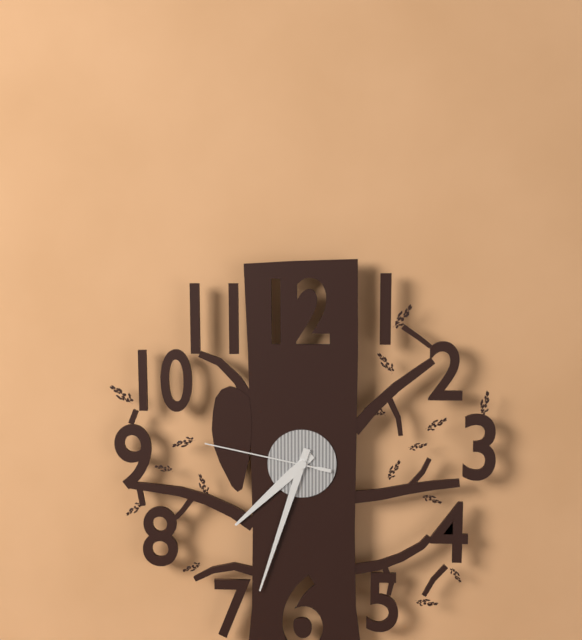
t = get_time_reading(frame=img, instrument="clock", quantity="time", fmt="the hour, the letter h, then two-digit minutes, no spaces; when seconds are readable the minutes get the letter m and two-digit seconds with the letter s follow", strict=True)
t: 7h33m47s
